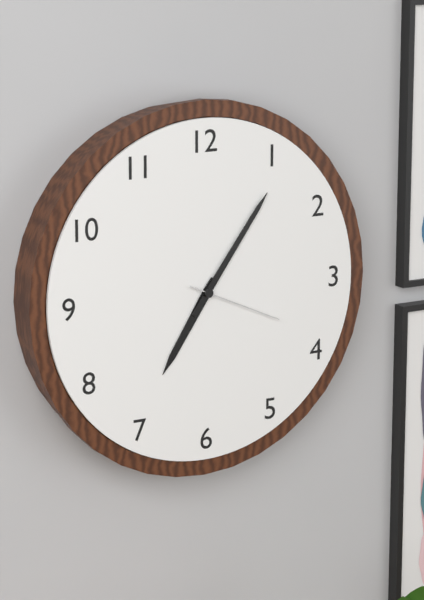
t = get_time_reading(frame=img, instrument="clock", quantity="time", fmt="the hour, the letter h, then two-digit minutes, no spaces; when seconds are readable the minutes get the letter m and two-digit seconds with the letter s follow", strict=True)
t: 7h06m19s
